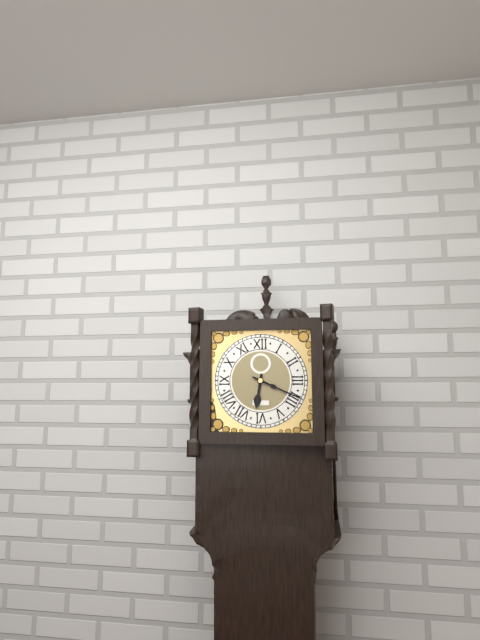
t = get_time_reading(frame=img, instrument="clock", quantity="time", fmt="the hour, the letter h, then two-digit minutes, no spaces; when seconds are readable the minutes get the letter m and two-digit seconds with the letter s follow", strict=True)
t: 6h19
